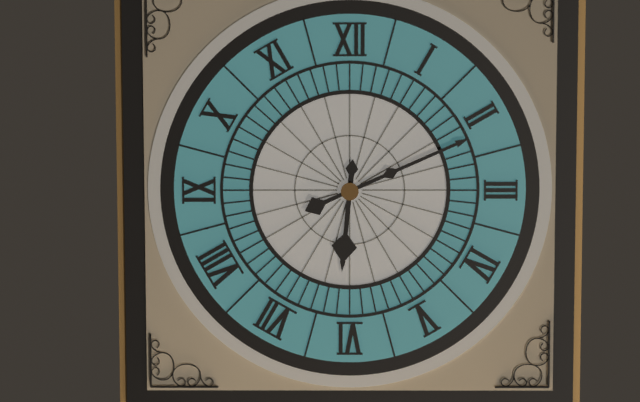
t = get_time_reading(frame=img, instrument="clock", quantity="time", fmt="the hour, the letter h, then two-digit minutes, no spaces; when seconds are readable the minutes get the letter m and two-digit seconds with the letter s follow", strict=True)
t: 6h11
